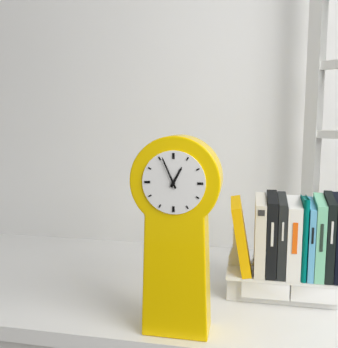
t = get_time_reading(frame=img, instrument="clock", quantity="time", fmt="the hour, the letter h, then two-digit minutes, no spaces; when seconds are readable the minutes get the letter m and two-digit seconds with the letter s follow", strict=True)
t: 12h56
